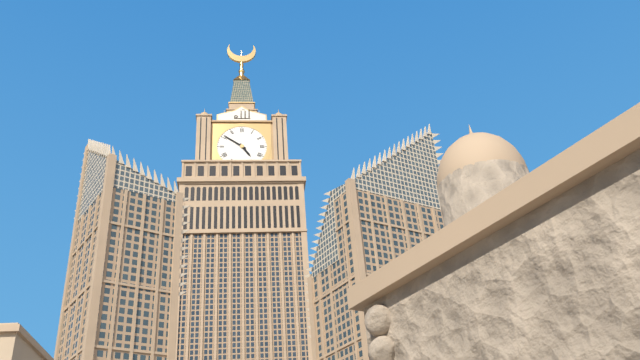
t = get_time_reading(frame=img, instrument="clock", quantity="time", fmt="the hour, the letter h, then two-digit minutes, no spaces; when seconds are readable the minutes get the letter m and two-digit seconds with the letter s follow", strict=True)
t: 4h51
